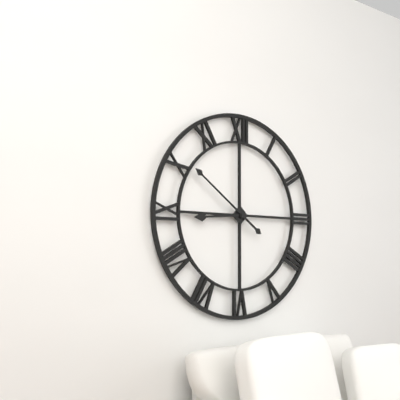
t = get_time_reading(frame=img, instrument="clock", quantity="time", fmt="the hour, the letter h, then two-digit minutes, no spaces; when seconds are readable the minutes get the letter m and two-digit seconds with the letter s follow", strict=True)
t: 8h51
